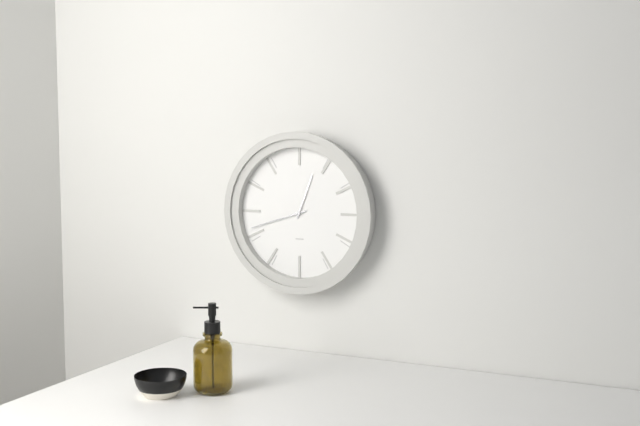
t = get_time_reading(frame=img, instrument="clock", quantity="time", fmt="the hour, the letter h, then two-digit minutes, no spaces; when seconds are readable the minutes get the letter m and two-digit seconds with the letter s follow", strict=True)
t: 12h42
